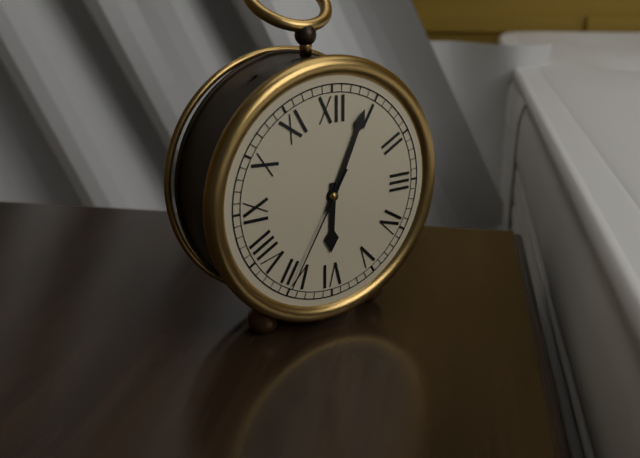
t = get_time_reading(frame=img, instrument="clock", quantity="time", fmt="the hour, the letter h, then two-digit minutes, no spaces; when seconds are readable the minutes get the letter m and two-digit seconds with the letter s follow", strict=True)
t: 6h04m35s
